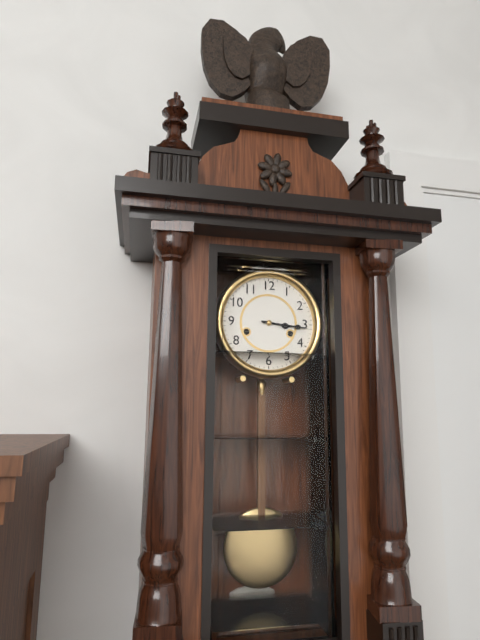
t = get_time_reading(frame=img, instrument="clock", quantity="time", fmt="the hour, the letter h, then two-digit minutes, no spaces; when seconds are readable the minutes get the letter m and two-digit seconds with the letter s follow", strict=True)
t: 3h16
